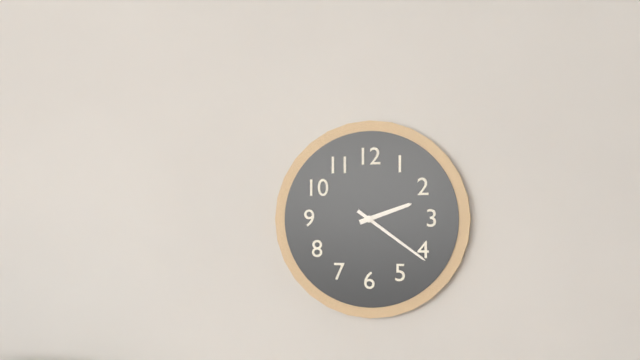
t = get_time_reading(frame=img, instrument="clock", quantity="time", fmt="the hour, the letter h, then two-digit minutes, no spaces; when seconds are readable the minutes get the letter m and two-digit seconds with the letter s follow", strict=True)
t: 2h21
